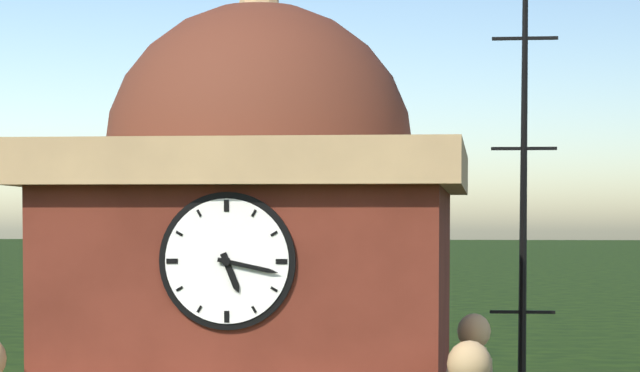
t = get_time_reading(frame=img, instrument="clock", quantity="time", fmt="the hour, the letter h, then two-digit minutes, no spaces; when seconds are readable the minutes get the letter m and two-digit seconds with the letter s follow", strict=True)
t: 5h17
